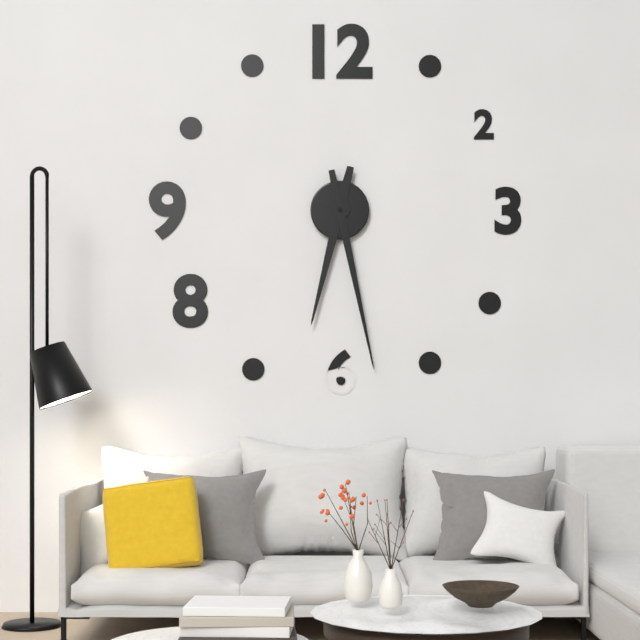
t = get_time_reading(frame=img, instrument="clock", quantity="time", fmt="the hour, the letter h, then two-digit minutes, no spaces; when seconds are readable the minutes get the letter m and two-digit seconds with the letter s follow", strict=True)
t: 6h28
